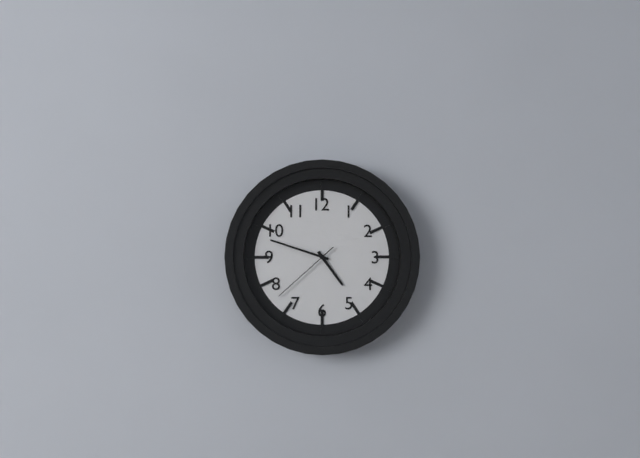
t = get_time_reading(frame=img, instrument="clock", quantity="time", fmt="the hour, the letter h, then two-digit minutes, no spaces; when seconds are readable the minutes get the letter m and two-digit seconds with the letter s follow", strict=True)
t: 4h48m38s
